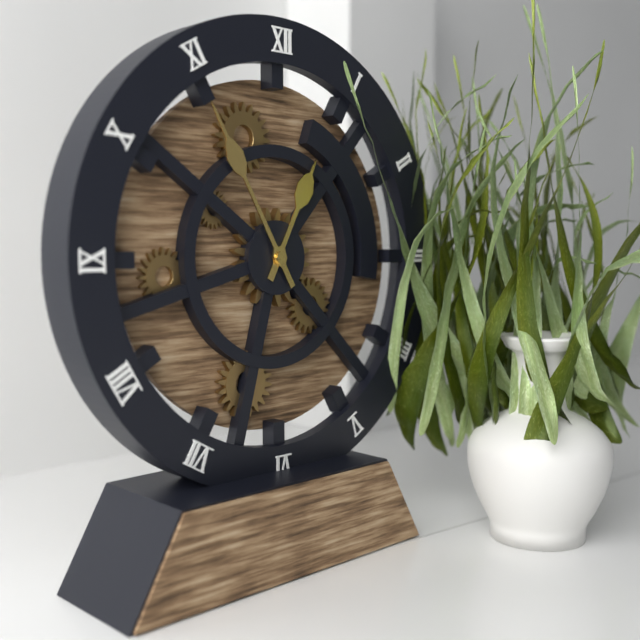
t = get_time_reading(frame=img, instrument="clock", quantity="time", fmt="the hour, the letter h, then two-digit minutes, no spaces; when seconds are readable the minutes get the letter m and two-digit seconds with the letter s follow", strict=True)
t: 12h55
